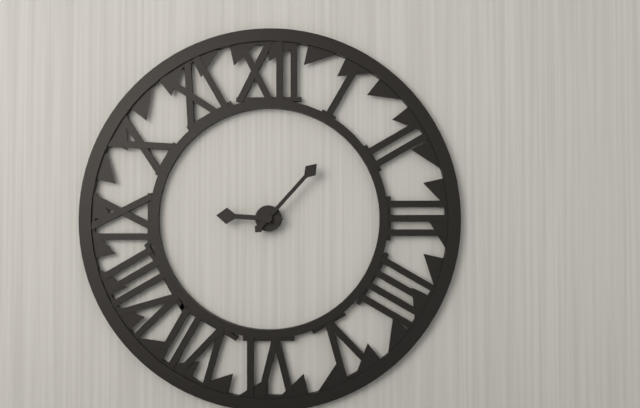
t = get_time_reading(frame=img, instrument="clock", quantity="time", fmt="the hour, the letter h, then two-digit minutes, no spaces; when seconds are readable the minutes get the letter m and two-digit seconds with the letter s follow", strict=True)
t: 9h07
